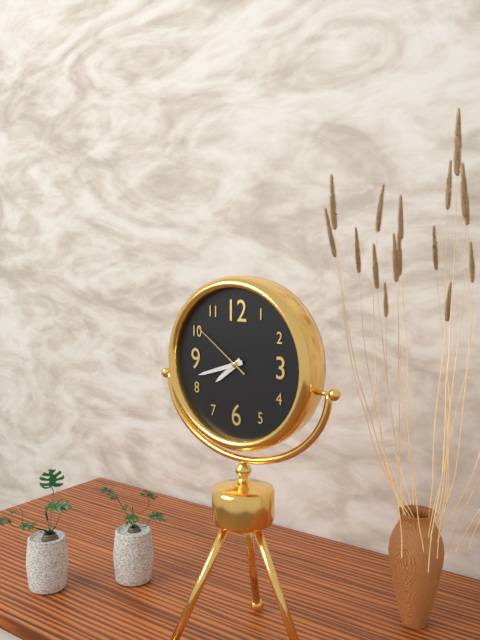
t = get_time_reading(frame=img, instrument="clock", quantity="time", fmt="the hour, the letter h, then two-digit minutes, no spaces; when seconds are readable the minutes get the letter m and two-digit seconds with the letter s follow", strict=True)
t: 7h42m51s
